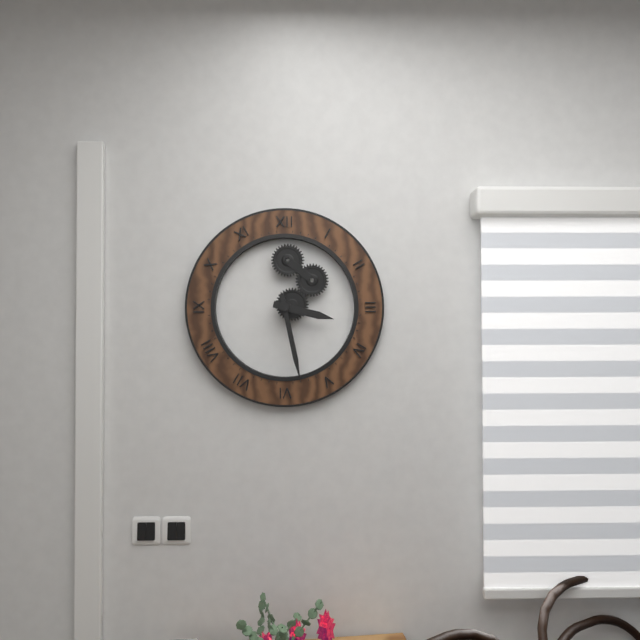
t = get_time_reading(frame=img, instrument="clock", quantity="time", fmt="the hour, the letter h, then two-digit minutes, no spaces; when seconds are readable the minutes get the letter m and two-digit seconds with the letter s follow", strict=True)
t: 3h28
